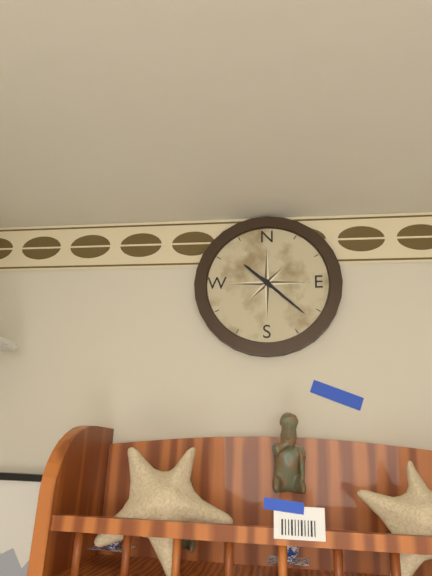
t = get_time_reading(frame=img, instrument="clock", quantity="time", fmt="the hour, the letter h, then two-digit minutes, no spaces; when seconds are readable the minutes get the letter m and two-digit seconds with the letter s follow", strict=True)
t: 10h22
